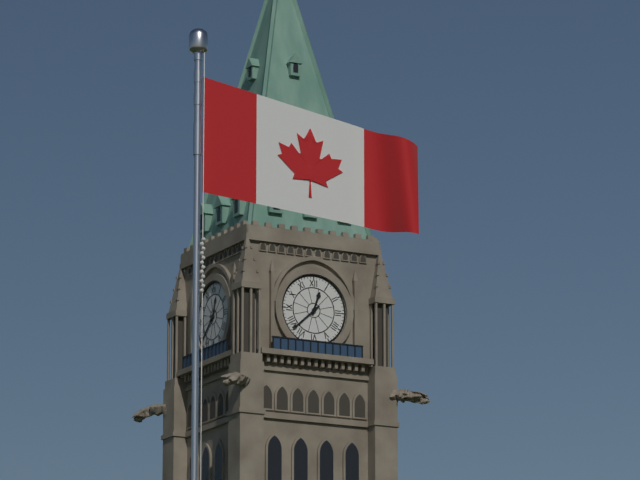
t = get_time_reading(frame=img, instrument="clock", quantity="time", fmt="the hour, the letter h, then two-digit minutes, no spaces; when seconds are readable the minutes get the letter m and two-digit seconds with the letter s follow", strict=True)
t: 12h38
